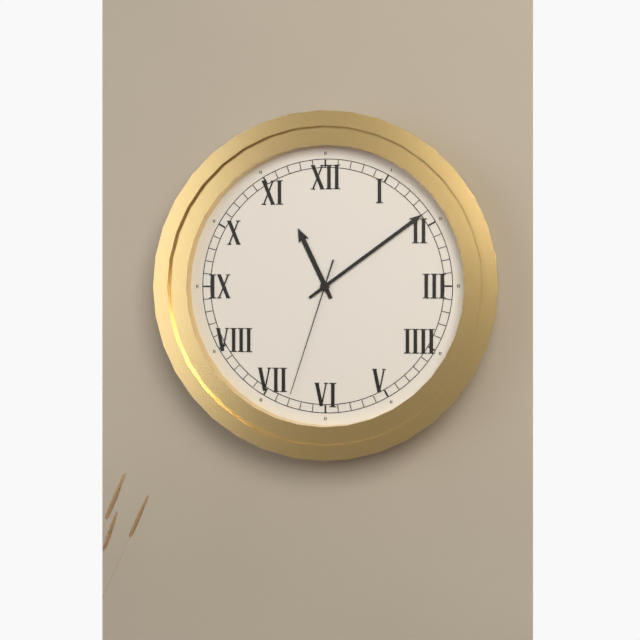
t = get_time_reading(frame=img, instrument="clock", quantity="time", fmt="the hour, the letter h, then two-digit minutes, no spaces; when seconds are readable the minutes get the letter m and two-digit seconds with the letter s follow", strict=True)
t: 11h09m33s
